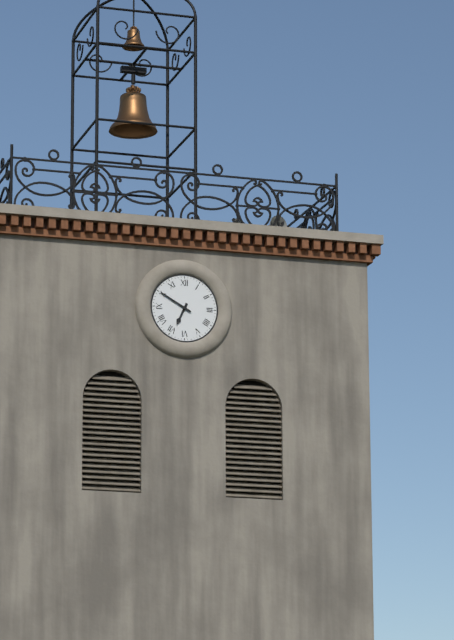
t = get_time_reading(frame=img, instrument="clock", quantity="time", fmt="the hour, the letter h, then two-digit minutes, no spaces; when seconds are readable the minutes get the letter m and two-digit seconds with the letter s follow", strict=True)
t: 6h50
